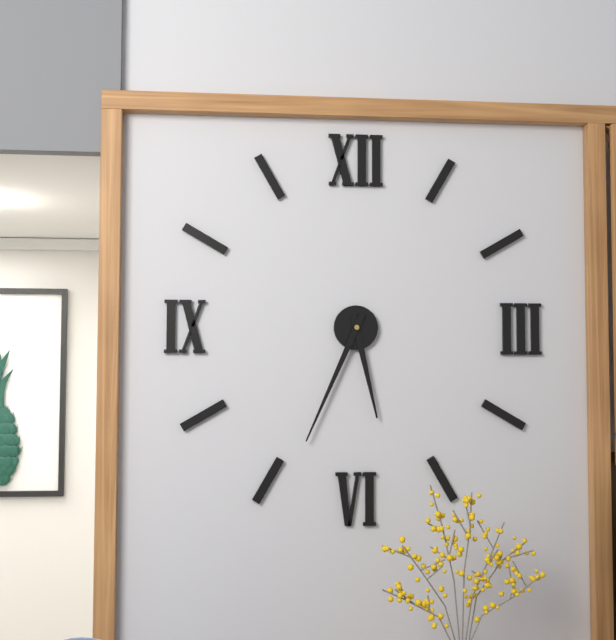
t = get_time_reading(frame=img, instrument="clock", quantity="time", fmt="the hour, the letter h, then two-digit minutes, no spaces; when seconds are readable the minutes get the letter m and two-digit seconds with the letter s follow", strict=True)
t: 5h34
